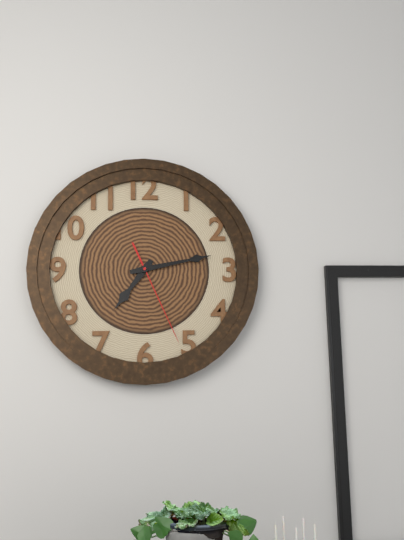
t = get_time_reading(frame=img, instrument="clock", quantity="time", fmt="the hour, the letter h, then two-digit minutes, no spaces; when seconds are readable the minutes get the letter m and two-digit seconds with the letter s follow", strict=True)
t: 7h13m26s
